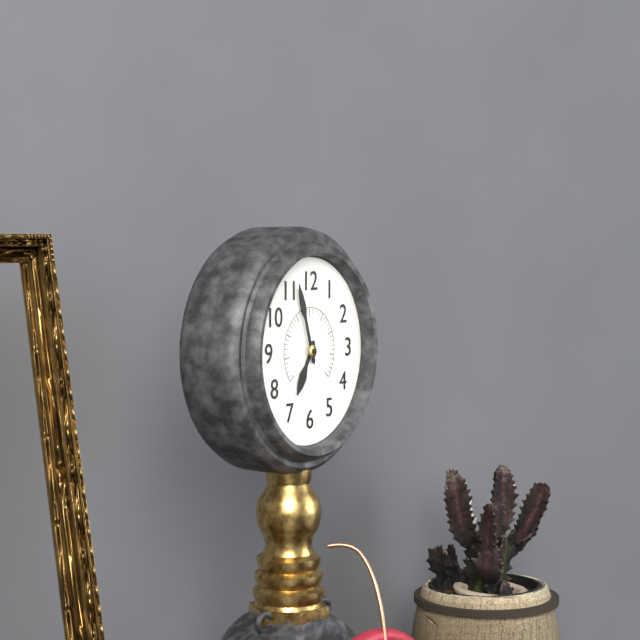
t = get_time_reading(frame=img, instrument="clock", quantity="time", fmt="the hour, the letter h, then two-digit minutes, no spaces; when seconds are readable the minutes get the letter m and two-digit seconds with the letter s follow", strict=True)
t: 6h57
